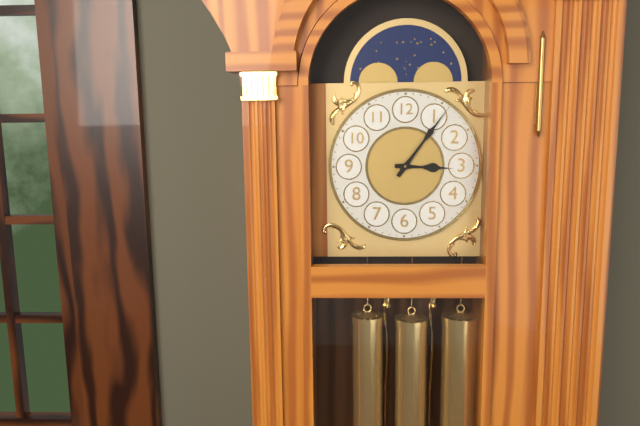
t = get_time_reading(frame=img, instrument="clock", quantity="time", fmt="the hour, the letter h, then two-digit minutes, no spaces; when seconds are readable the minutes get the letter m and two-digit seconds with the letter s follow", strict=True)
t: 3h06
